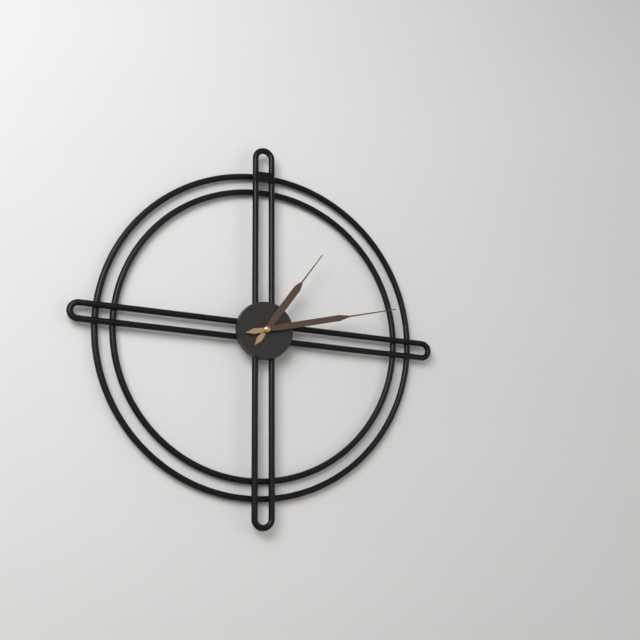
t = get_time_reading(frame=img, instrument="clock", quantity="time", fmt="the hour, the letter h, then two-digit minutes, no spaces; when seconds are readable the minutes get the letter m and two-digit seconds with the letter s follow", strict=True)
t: 1h13
